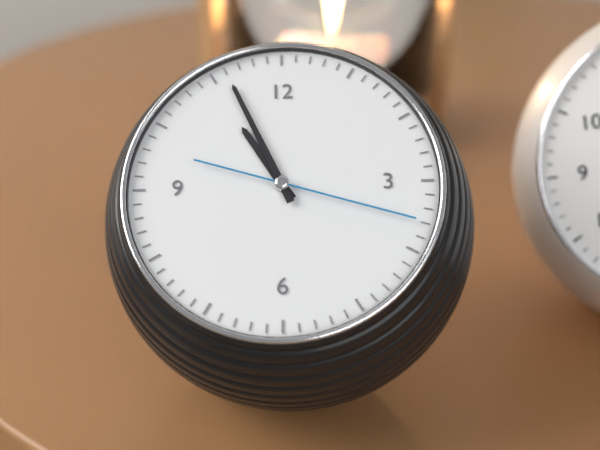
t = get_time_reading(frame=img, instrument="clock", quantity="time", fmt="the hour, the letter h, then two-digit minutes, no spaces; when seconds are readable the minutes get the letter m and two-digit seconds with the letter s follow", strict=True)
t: 10h56m18s
